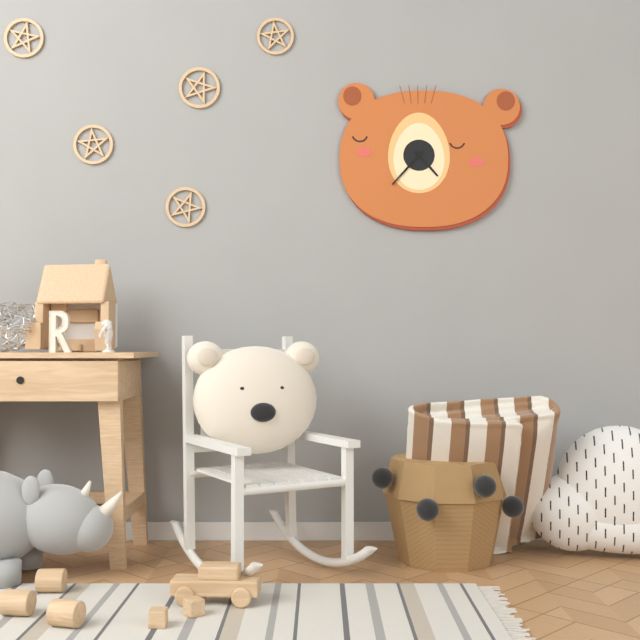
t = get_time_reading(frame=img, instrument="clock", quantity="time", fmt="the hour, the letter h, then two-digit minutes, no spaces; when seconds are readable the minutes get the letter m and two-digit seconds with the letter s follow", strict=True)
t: 4h37
